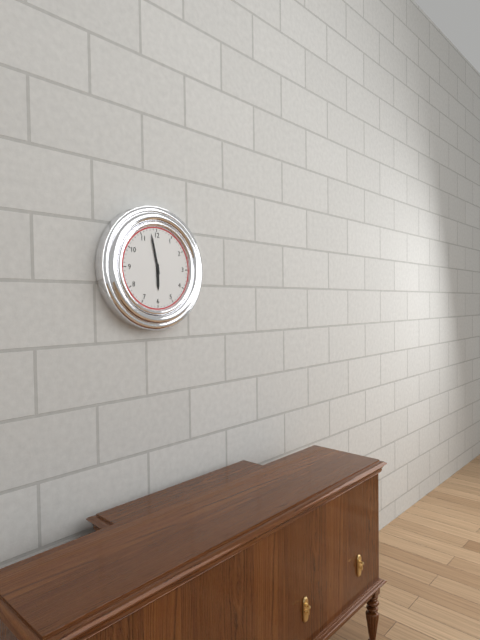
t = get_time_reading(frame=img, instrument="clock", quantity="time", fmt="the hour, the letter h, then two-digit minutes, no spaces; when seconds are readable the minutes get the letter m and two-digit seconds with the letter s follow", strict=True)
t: 5h58
